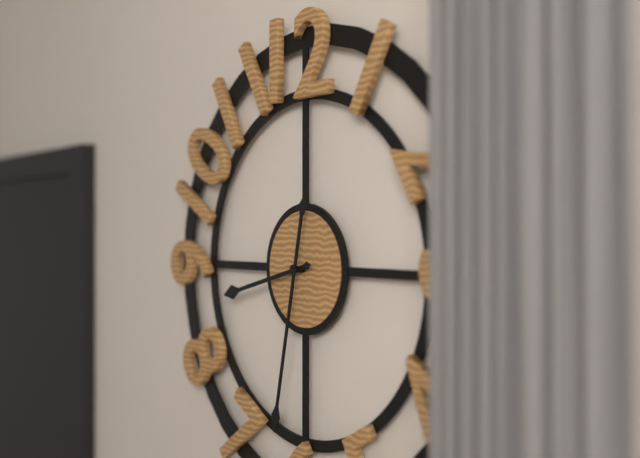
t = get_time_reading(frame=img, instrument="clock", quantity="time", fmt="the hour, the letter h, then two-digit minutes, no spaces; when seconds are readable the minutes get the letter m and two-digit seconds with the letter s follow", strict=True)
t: 8h32
